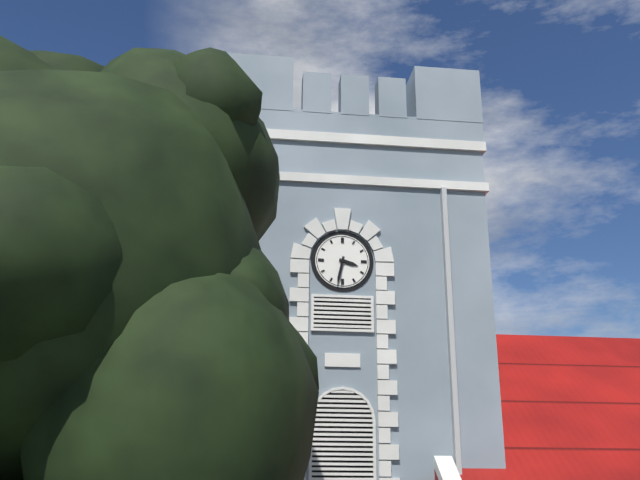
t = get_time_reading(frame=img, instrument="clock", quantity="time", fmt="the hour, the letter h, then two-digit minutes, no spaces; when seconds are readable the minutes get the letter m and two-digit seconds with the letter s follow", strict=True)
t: 3h32
